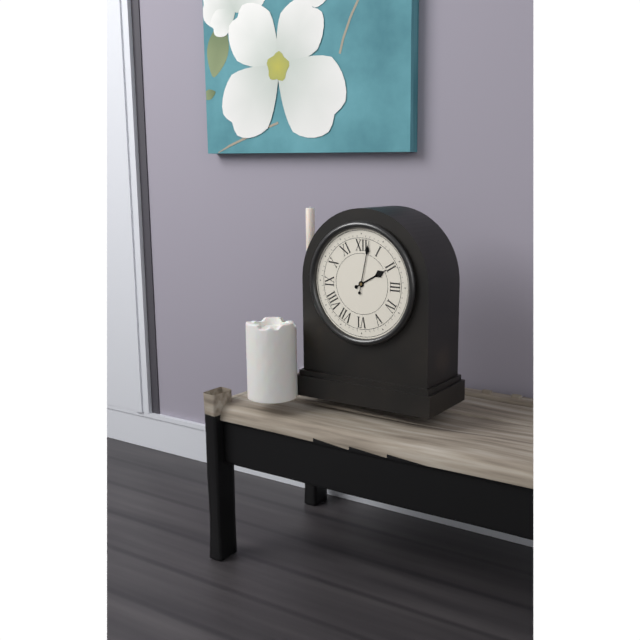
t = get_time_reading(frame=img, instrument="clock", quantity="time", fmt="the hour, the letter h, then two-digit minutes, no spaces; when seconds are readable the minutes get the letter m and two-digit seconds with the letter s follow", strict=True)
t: 2h02
